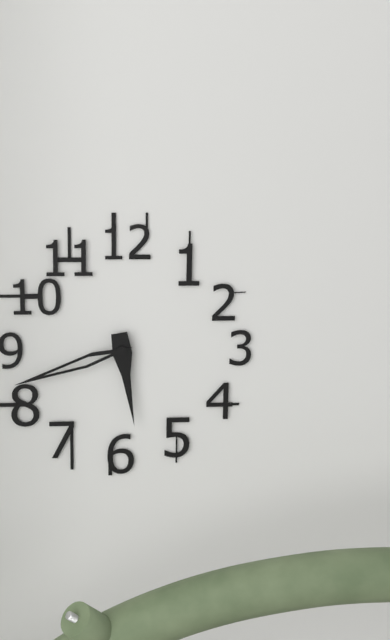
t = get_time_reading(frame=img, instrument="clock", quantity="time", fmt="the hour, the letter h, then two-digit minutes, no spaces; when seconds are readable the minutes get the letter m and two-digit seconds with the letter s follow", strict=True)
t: 5h42
